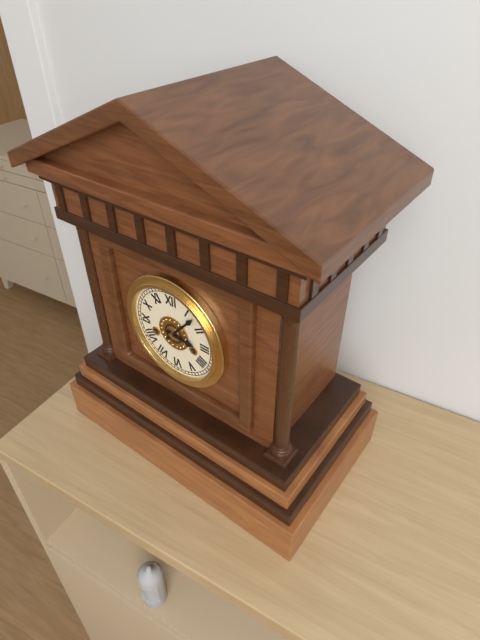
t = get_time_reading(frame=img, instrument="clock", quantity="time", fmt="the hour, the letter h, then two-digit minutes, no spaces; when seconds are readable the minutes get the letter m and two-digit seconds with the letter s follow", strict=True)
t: 3h07
